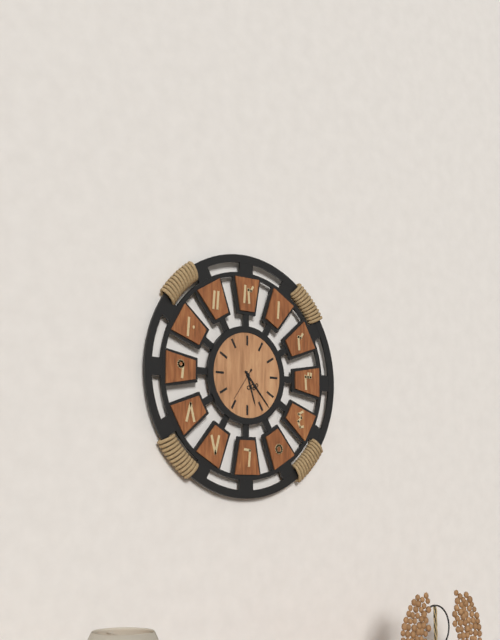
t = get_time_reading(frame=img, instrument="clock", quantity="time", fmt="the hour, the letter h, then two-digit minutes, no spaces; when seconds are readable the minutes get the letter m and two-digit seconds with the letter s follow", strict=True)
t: 5h23
